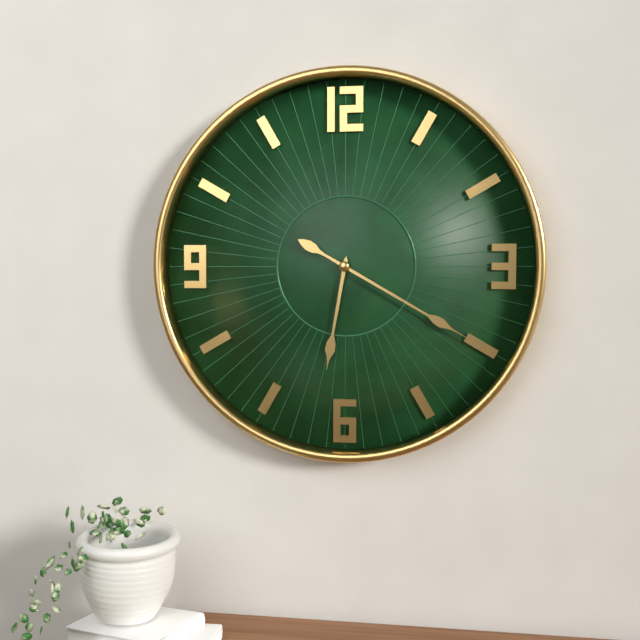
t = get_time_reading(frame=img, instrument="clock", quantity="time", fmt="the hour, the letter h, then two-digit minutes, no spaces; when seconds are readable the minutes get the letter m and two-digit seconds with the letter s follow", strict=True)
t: 6h20
